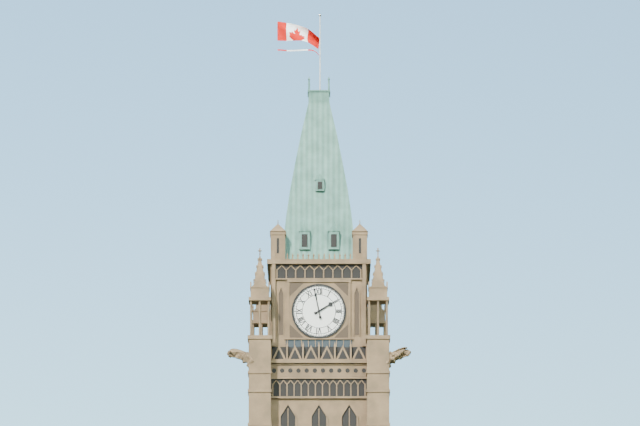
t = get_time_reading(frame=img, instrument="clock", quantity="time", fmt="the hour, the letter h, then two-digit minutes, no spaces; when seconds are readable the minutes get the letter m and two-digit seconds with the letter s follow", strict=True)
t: 1h58
